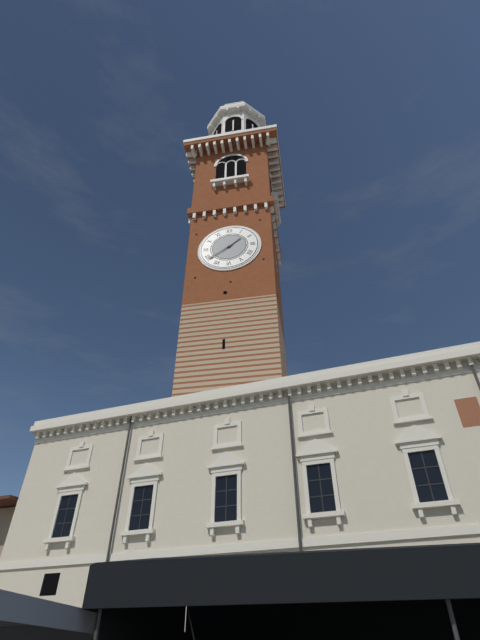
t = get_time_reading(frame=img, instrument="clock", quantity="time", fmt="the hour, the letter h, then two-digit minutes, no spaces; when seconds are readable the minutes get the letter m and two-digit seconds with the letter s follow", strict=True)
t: 1h39
